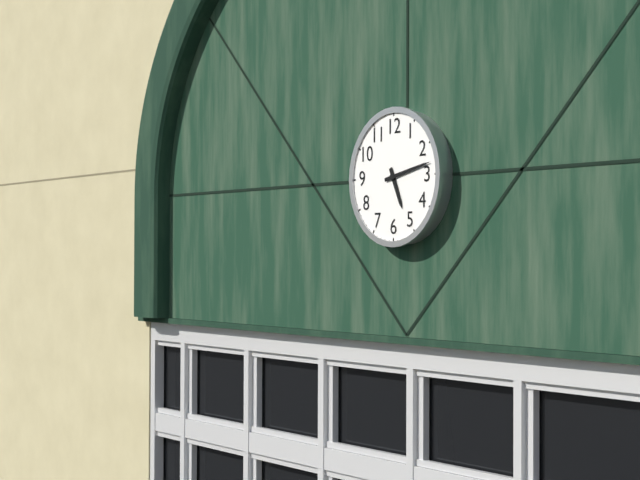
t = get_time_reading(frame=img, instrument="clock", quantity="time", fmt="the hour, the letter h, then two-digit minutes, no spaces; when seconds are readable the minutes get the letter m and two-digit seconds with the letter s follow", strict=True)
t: 5h13
